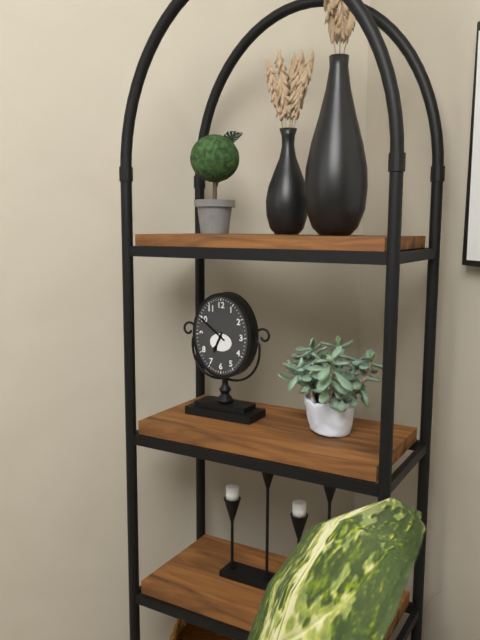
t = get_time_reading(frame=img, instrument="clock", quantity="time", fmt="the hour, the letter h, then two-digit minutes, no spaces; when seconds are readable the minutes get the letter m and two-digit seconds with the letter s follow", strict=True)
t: 6h51
